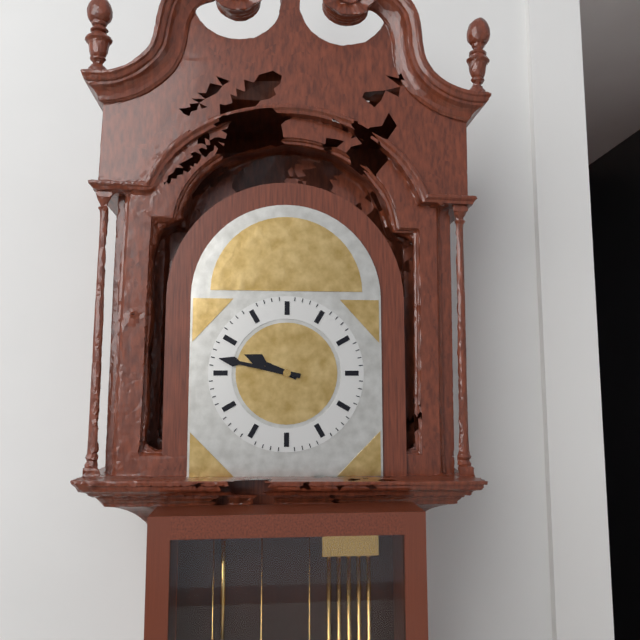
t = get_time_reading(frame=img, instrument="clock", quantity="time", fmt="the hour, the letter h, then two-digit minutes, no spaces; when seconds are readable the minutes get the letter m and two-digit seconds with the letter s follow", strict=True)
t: 9h47
